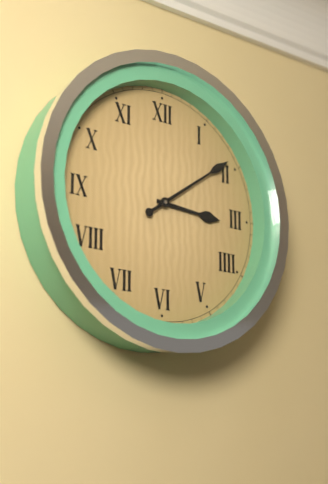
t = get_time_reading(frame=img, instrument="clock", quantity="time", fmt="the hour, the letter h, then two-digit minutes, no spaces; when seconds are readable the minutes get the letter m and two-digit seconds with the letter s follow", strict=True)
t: 3h09
